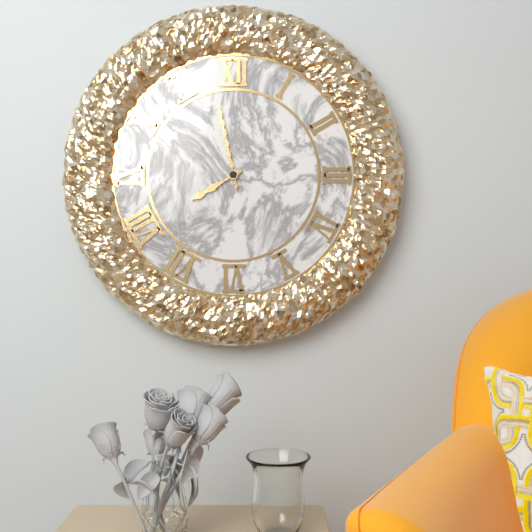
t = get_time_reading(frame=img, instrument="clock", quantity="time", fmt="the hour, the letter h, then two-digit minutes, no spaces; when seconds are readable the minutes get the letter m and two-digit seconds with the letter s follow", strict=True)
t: 7h58
